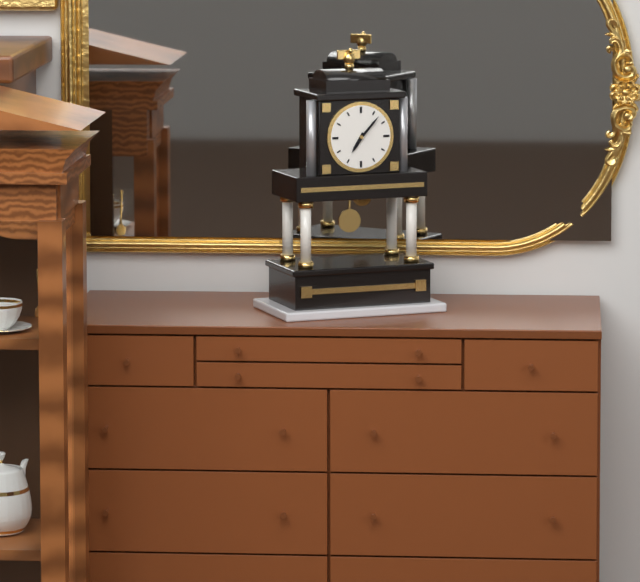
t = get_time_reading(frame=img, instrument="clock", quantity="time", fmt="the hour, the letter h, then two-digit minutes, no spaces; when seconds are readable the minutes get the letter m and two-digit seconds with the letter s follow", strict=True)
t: 7h07
